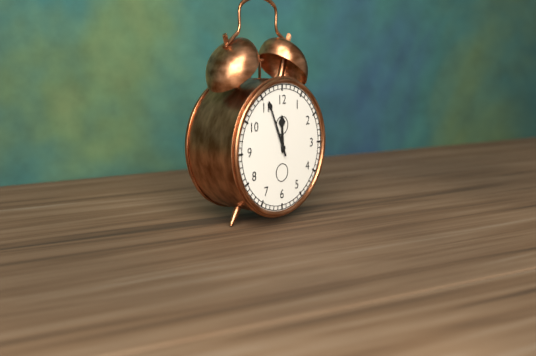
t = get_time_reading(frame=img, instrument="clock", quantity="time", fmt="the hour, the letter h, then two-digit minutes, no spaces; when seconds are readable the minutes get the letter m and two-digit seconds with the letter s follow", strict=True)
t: 11h56
